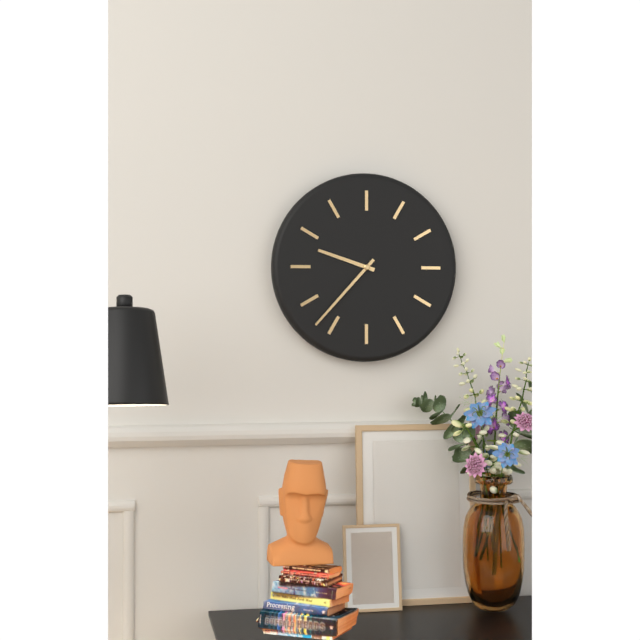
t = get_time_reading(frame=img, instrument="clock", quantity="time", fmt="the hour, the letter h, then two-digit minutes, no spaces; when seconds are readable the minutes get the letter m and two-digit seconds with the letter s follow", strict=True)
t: 9h37
